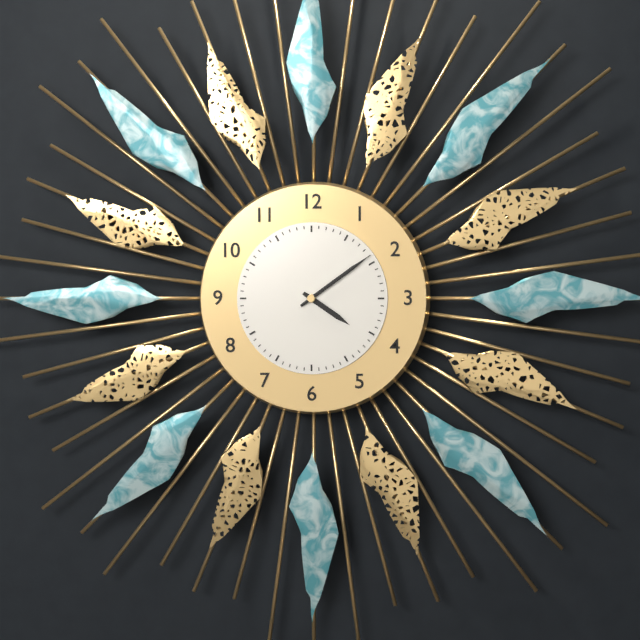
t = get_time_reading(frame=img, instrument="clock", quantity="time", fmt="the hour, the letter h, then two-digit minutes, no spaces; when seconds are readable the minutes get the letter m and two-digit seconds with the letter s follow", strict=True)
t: 4h09
